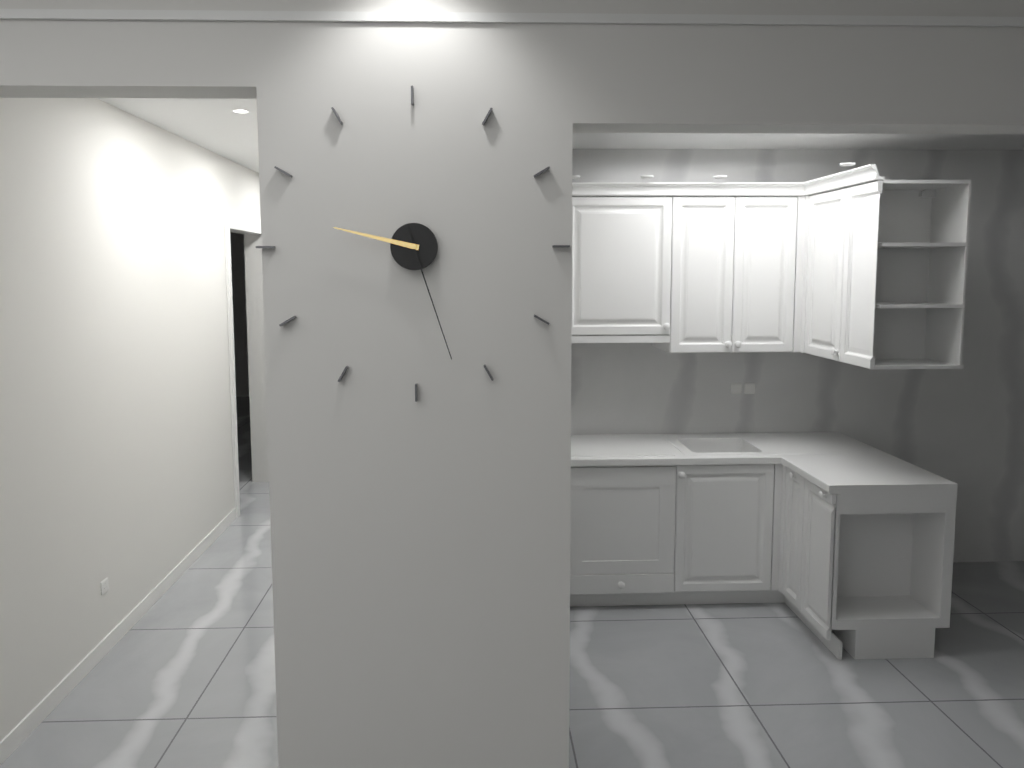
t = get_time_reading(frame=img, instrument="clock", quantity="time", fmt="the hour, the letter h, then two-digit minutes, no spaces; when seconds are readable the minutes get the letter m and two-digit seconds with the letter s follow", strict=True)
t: 9h27
